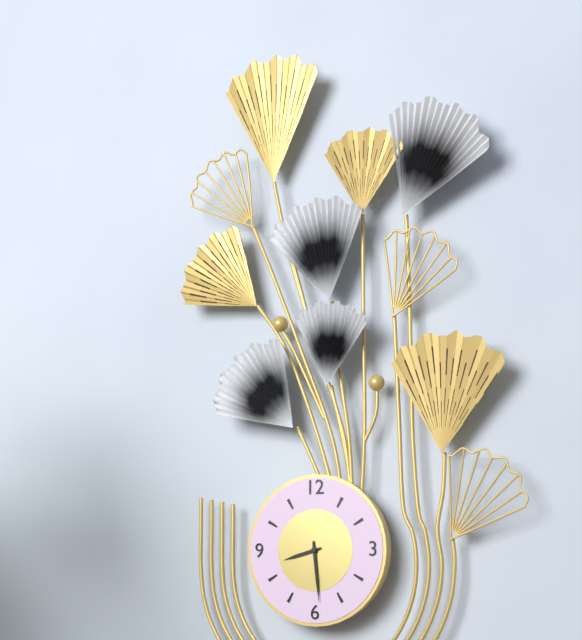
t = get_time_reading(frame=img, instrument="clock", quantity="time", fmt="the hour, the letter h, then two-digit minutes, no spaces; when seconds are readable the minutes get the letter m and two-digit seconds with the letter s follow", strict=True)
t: 8h29
